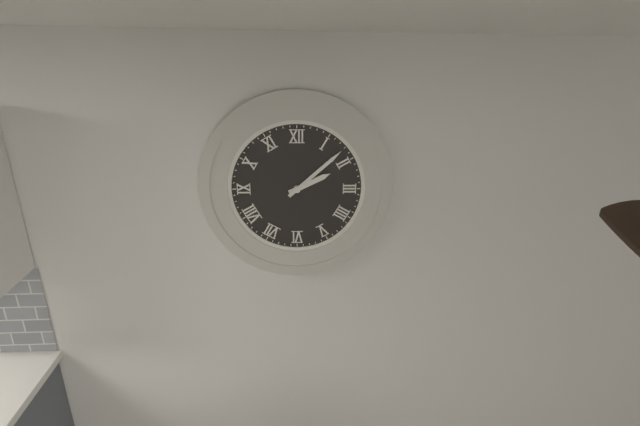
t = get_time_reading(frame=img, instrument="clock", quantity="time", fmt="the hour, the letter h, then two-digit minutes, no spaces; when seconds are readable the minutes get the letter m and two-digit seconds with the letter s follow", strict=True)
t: 2h08
